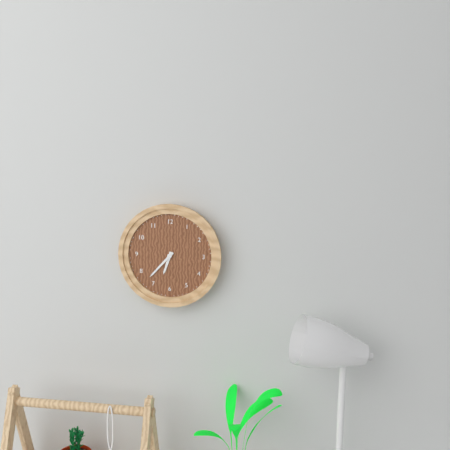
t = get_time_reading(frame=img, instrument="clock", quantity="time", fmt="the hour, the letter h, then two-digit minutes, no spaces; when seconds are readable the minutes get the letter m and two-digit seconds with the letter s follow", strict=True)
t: 6h37
